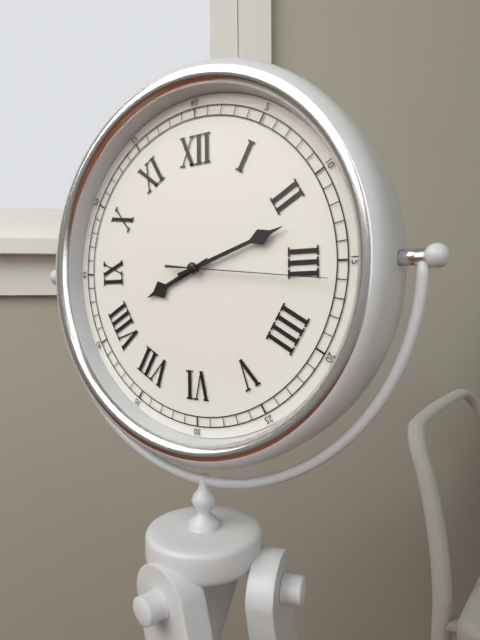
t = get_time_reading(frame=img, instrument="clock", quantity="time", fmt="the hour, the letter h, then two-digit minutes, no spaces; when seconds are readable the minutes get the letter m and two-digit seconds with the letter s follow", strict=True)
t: 8h12m16s
